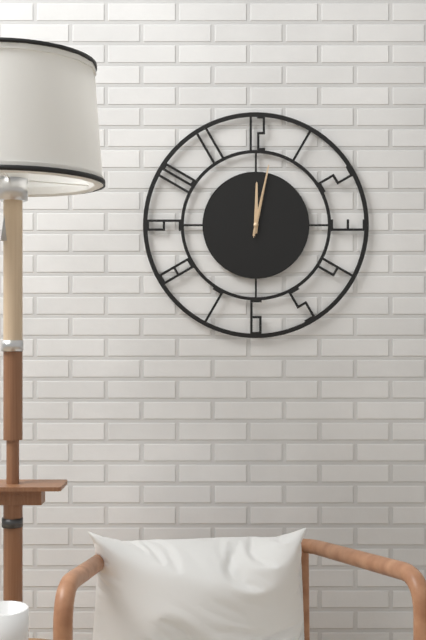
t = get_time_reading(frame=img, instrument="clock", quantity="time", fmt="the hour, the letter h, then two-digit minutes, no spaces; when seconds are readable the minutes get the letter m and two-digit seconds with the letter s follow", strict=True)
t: 12h02m02s
